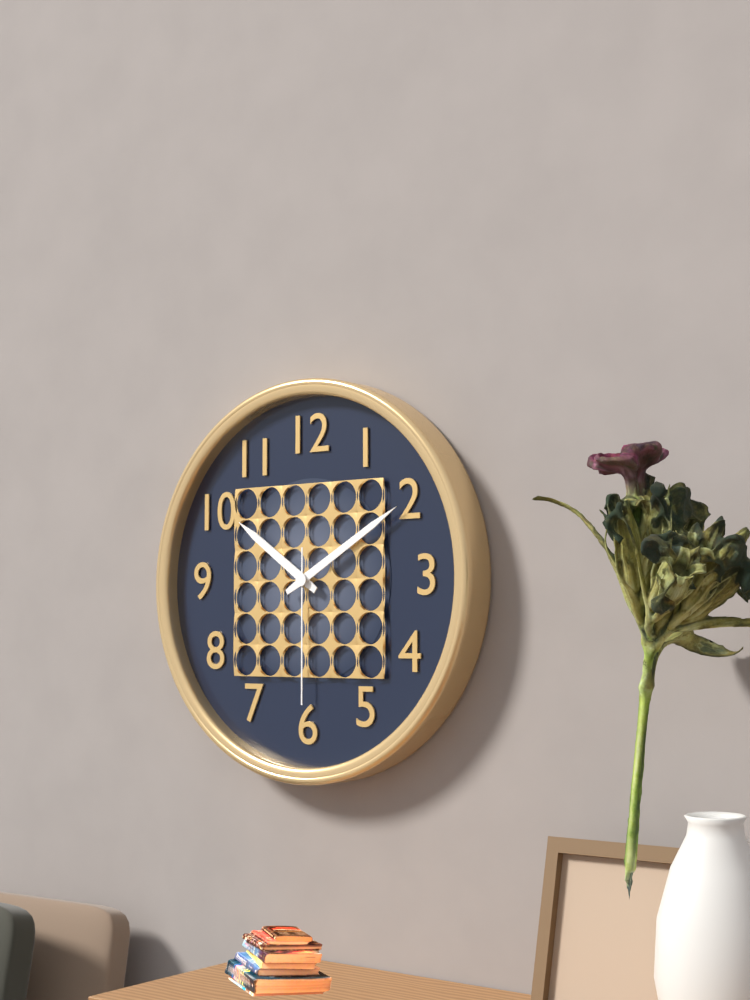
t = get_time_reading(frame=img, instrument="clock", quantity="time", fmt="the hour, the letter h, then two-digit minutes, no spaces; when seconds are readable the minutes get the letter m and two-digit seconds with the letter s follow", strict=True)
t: 10h10m30s
